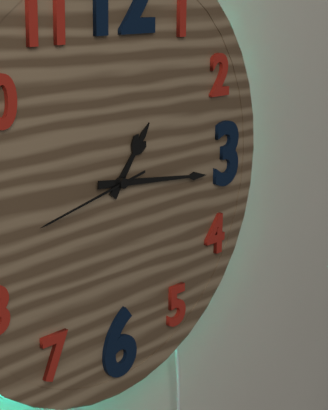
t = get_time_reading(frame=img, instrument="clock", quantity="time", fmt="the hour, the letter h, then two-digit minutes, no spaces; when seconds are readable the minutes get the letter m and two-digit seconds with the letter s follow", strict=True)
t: 1h16m43s
